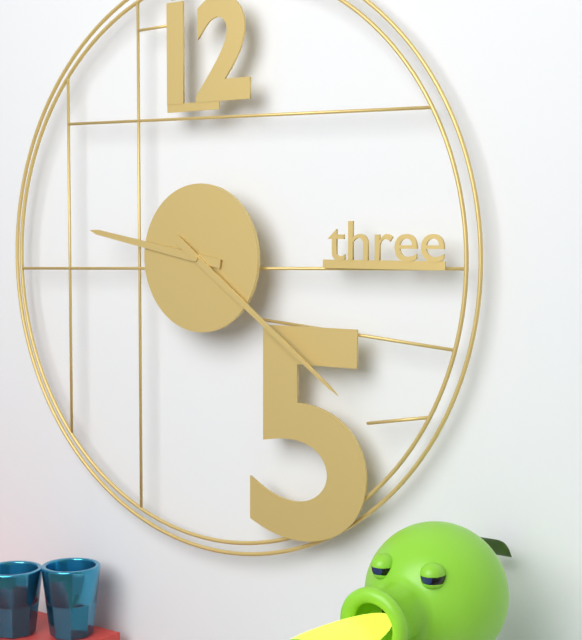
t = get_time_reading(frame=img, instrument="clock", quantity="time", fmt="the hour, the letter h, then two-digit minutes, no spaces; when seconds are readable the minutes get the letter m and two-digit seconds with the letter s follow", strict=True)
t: 9h21
